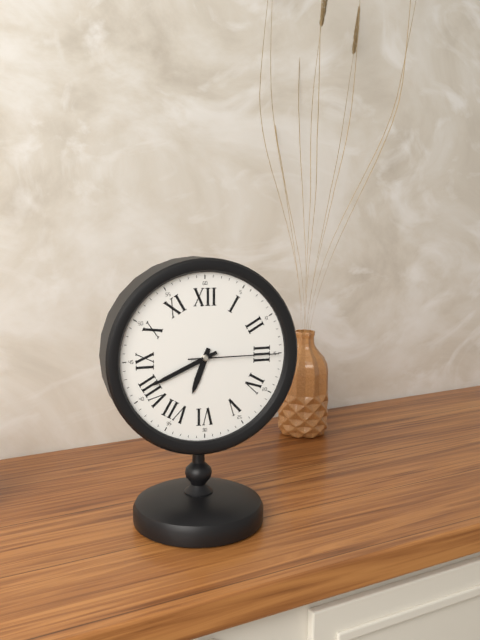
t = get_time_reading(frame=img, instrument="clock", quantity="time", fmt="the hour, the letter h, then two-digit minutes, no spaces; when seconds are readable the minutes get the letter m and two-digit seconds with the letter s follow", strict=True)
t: 6h41m15s
